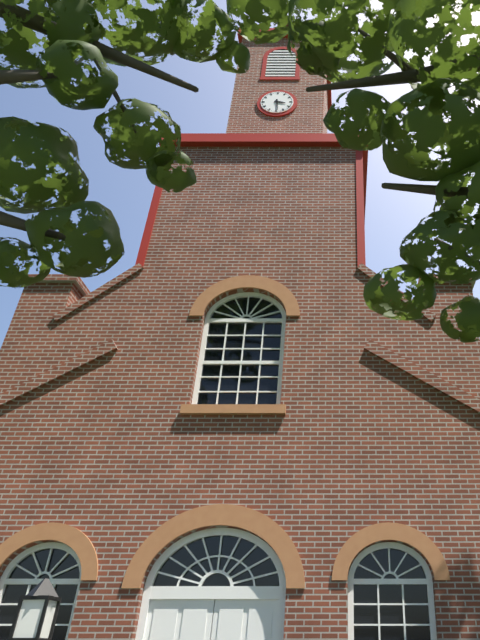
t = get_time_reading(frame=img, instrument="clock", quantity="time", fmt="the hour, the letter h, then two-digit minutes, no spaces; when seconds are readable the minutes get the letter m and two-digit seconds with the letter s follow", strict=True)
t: 3h29
